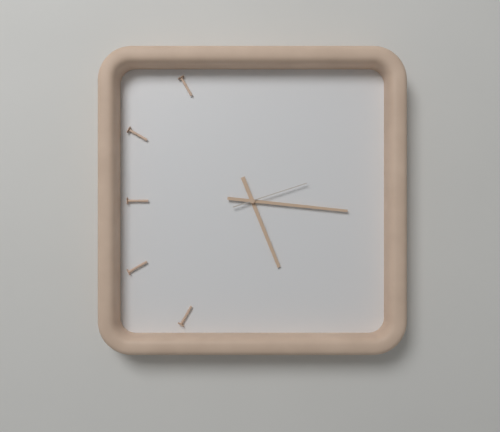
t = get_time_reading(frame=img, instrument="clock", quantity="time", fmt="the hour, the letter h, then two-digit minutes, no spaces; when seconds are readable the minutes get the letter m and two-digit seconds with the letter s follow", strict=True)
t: 5h16m12s
